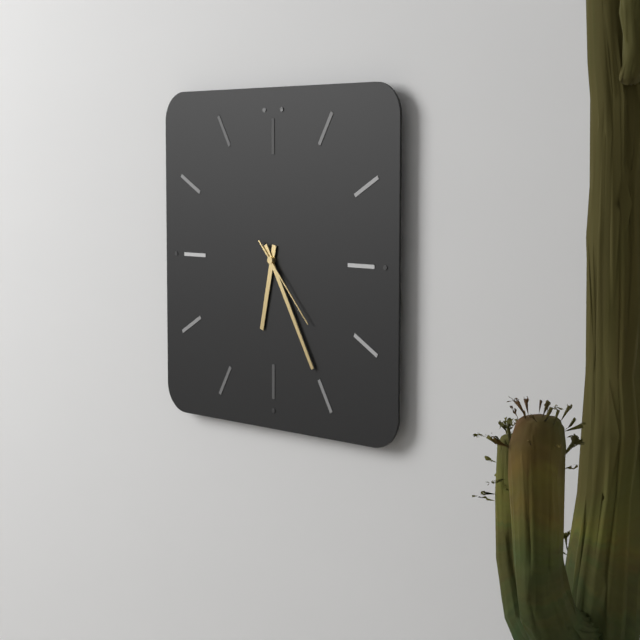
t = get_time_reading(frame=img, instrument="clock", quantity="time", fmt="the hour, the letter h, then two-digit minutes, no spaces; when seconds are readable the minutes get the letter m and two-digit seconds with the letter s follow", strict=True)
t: 6h25m23s
